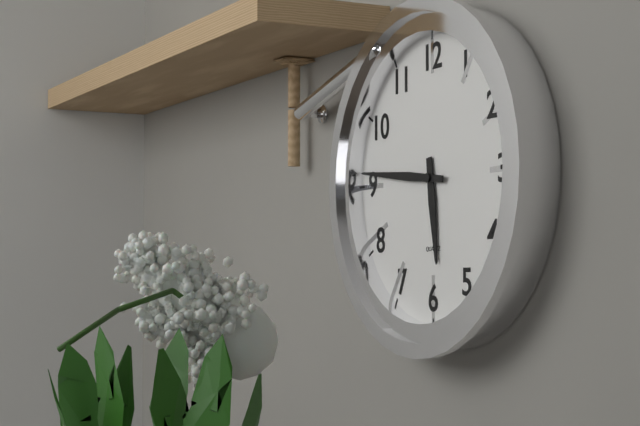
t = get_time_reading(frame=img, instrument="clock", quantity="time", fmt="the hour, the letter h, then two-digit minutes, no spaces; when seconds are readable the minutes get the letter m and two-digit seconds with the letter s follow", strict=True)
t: 5h46
